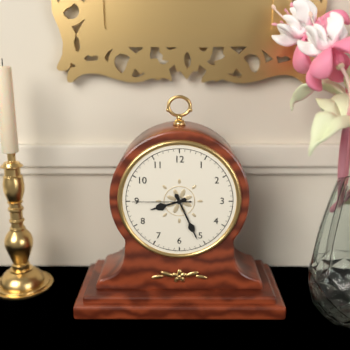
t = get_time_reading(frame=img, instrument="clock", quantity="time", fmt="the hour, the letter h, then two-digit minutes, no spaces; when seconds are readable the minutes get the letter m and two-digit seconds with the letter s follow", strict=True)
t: 8h26m45s
